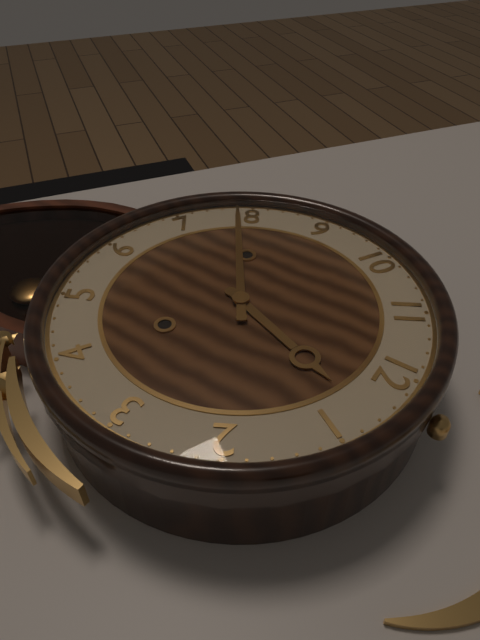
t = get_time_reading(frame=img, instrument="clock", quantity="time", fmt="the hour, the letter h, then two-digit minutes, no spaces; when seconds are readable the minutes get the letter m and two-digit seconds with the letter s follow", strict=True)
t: 12h39
